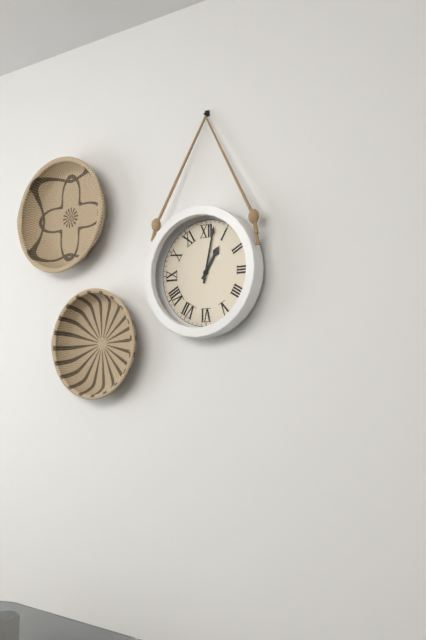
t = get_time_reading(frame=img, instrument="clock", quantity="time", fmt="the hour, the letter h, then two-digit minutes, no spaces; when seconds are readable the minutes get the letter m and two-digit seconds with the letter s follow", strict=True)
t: 1h02
